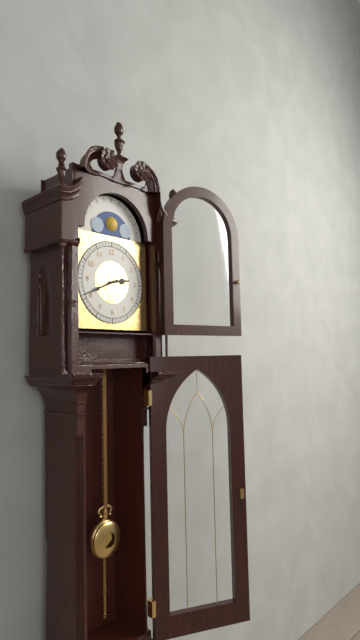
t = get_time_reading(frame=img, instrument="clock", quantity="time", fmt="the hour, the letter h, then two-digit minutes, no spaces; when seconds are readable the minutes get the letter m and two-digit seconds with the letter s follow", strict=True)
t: 2h41
